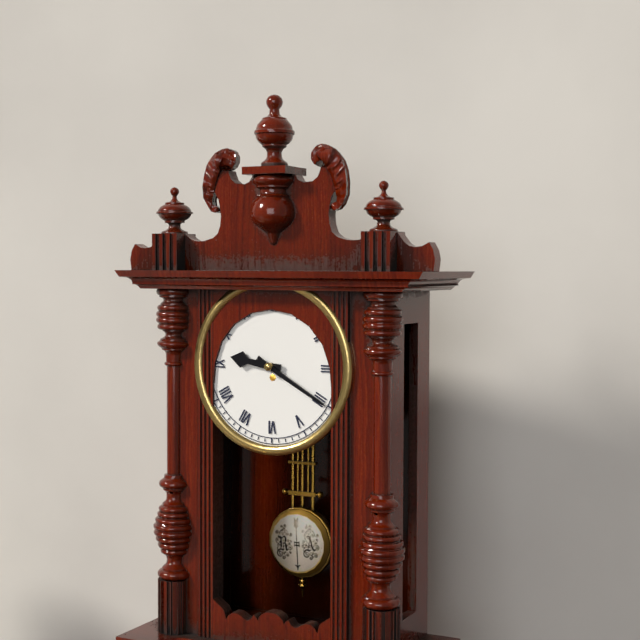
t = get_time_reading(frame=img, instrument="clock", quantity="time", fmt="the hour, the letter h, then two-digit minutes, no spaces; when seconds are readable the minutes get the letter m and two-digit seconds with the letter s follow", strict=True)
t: 9h20
